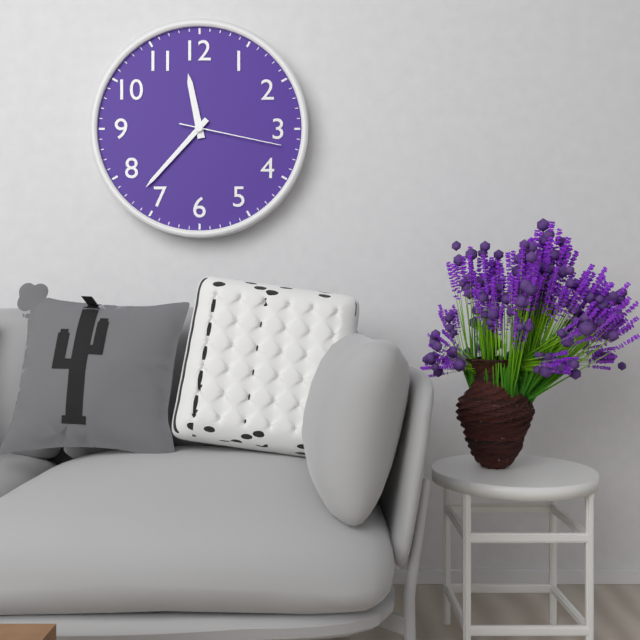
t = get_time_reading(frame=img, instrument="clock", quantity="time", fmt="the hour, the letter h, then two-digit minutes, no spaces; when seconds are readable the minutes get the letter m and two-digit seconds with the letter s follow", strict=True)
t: 11h37m17s
